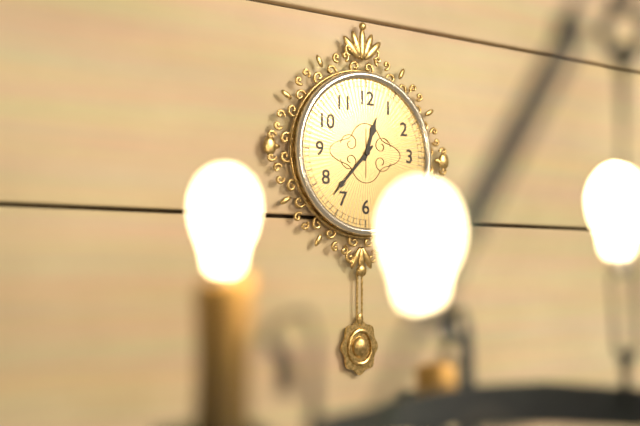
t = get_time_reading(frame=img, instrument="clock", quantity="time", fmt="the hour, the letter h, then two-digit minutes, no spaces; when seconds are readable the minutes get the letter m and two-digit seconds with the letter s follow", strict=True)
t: 12h37
